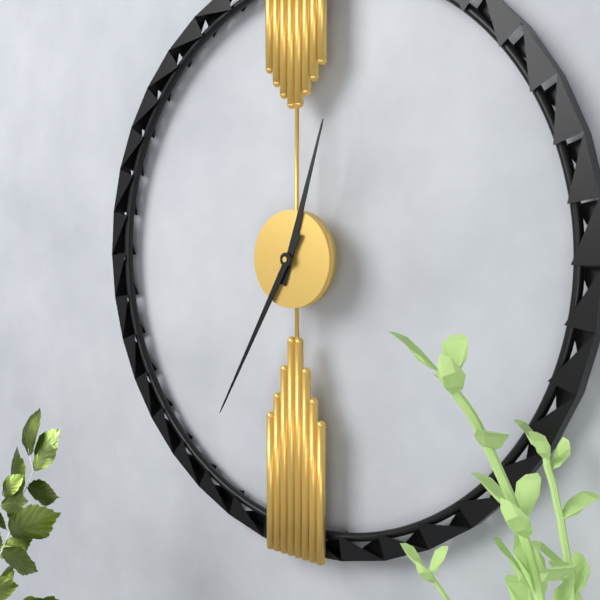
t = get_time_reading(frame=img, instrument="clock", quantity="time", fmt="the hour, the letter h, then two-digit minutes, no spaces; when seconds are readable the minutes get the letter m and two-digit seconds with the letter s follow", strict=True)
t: 12h35
